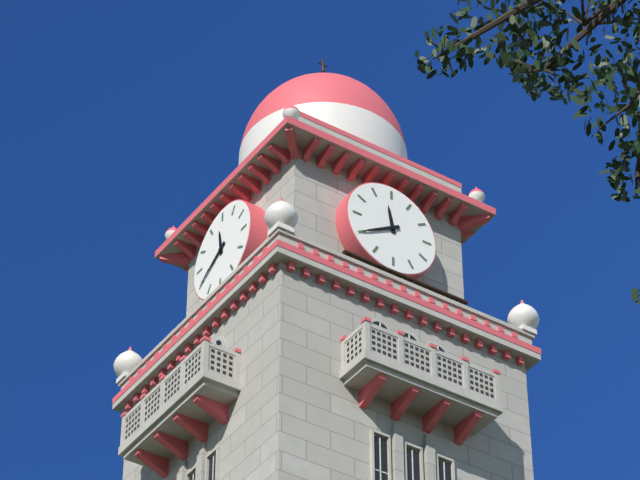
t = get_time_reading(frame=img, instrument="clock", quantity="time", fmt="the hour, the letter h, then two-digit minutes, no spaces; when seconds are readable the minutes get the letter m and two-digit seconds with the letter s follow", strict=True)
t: 11h40
